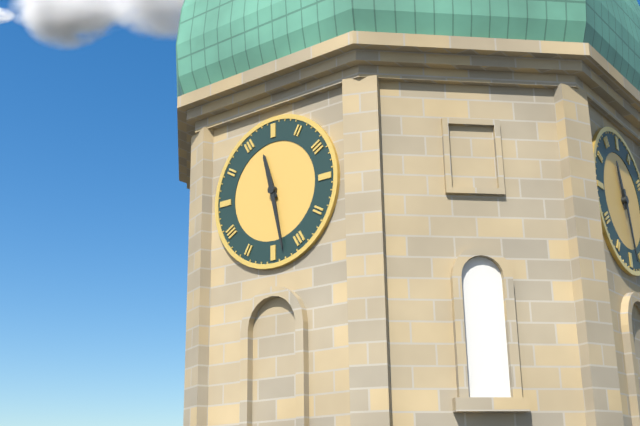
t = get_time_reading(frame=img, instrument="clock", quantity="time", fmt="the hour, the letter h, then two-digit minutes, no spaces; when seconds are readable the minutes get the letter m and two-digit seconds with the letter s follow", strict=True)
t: 11h28
